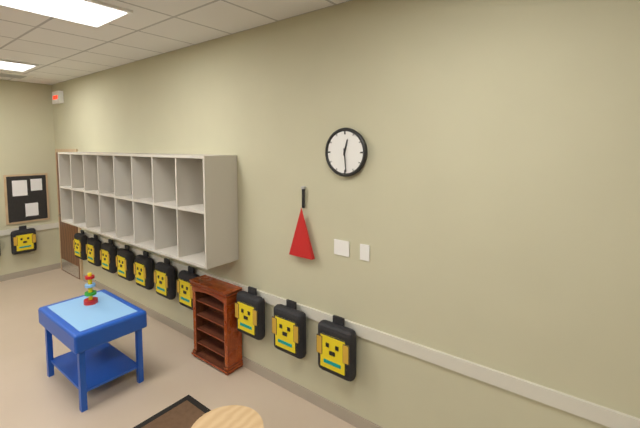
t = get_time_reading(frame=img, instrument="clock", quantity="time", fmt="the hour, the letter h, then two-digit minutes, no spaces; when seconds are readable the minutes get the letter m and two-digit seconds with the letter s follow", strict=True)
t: 12h29
